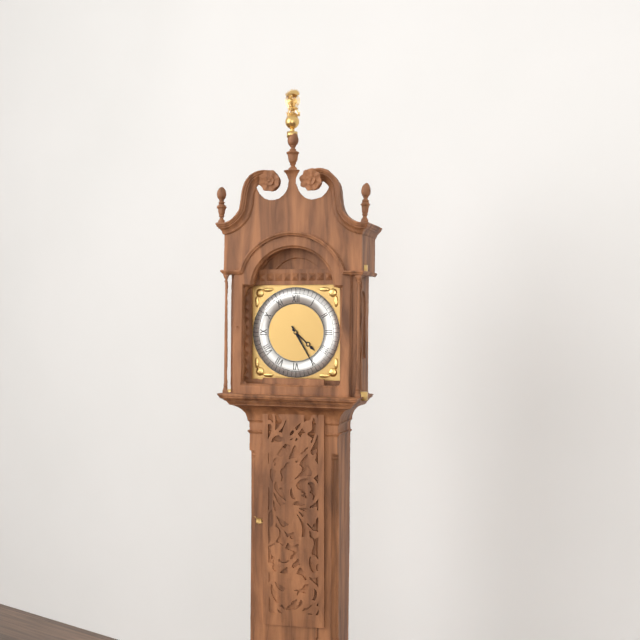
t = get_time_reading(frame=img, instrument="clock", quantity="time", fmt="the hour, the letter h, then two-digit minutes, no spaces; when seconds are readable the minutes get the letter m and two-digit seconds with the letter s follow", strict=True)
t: 4h25
